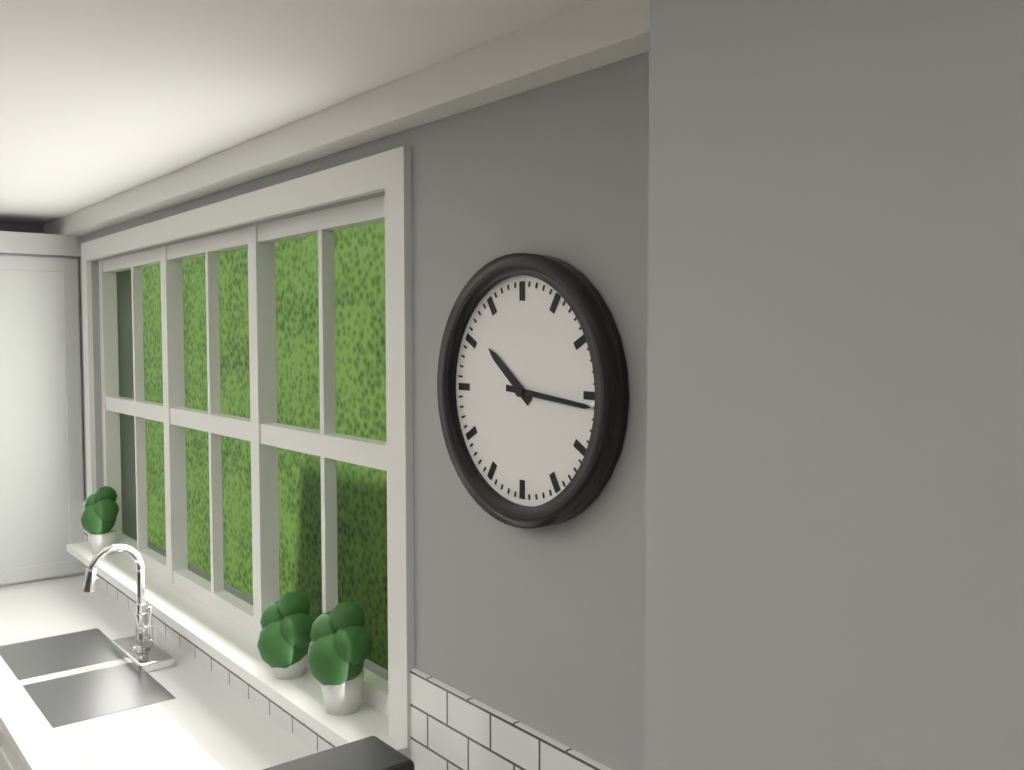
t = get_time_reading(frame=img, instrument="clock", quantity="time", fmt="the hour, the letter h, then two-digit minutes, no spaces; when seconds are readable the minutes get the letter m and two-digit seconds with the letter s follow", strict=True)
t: 10h16
